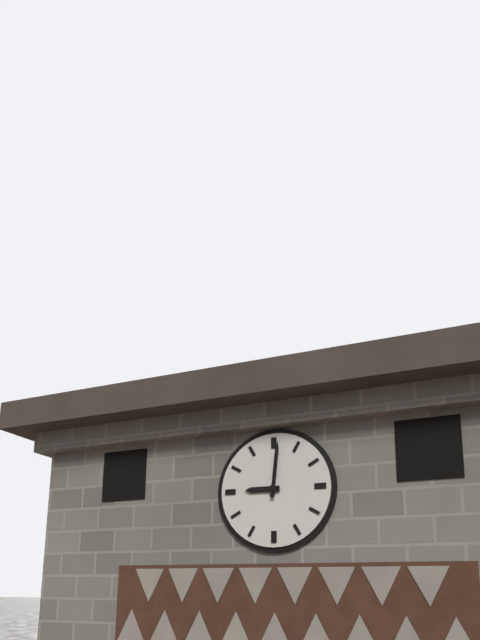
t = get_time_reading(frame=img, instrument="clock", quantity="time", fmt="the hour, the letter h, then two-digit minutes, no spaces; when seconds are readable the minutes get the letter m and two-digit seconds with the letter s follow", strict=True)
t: 9h01
